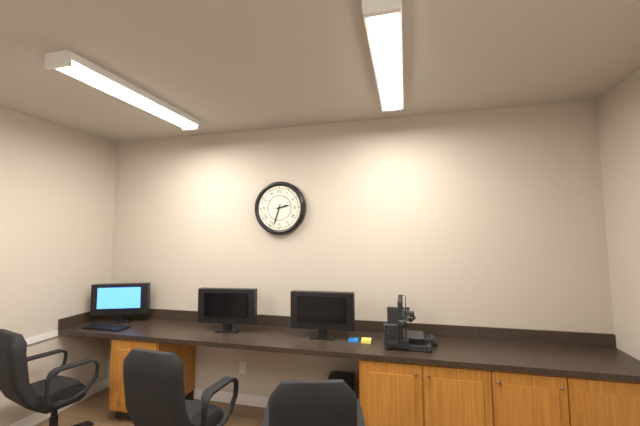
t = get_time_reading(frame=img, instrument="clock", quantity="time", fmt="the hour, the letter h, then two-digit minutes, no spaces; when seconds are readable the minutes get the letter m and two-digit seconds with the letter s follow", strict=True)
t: 2h33
